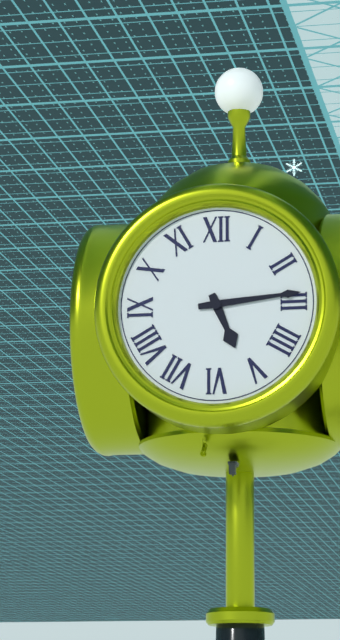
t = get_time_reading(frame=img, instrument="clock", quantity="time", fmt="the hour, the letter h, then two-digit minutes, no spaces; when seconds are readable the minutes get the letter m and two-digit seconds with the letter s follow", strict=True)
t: 5h14
